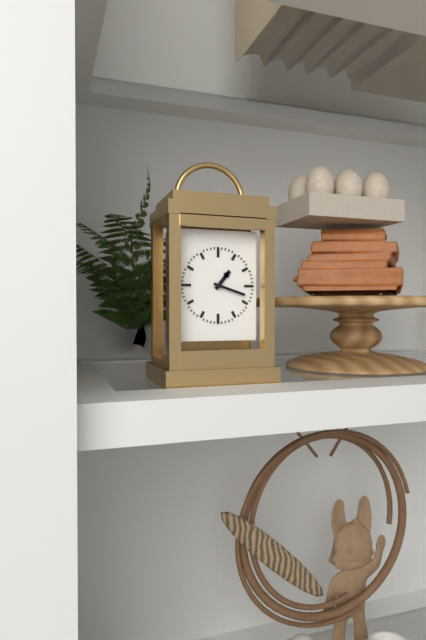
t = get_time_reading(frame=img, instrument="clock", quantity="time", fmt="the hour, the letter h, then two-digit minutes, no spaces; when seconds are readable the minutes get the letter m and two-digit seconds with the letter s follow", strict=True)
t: 1h18
